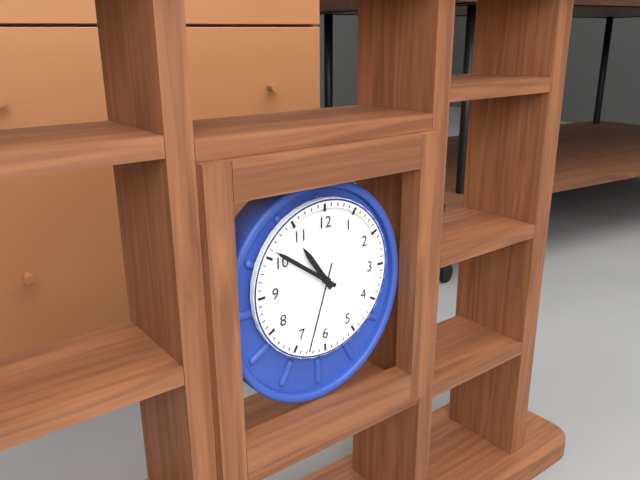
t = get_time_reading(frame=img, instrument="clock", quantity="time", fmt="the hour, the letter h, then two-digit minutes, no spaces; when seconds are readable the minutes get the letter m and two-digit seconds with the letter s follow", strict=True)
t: 10h51m33s
